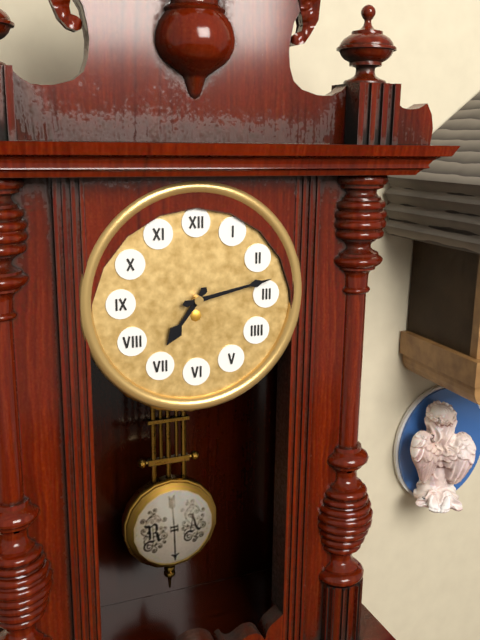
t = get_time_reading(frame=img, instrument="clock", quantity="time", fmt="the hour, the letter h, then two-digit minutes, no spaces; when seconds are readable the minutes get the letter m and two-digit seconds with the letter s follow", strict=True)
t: 7h13
